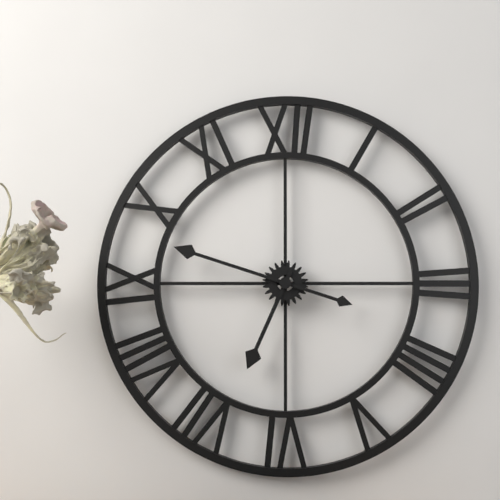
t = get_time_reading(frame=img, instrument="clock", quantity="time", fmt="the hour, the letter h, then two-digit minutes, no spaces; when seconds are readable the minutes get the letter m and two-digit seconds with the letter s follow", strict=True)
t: 6h48
